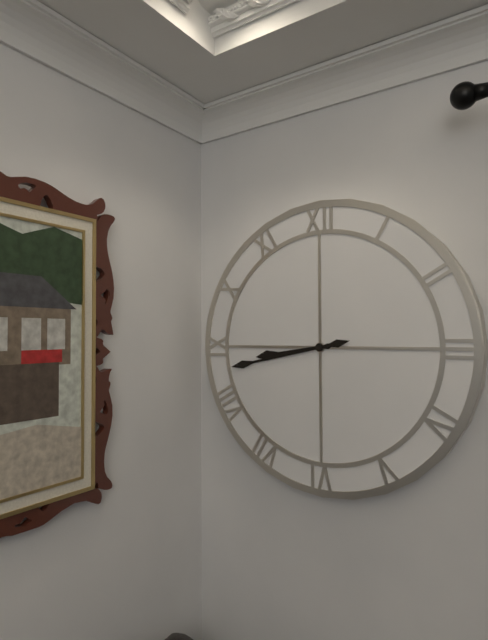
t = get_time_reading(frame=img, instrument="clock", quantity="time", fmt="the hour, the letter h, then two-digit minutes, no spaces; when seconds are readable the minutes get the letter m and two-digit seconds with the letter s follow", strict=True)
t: 8h43
